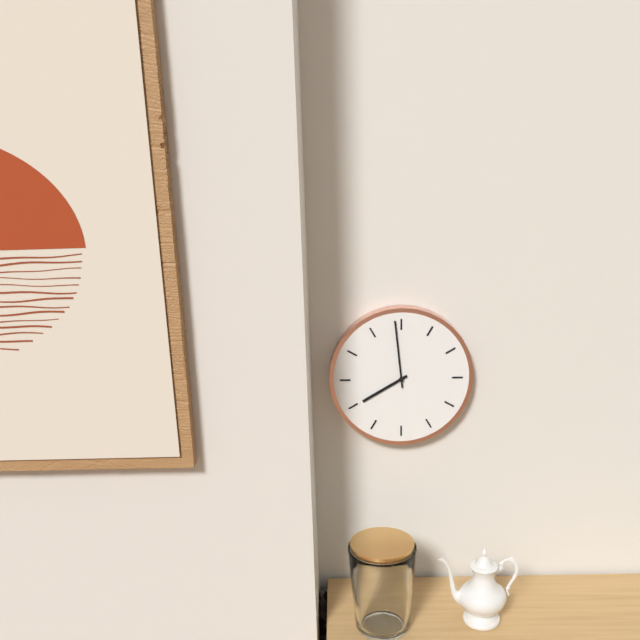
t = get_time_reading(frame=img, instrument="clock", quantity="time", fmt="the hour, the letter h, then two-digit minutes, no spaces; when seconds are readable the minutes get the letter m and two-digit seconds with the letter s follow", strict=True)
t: 7h59
